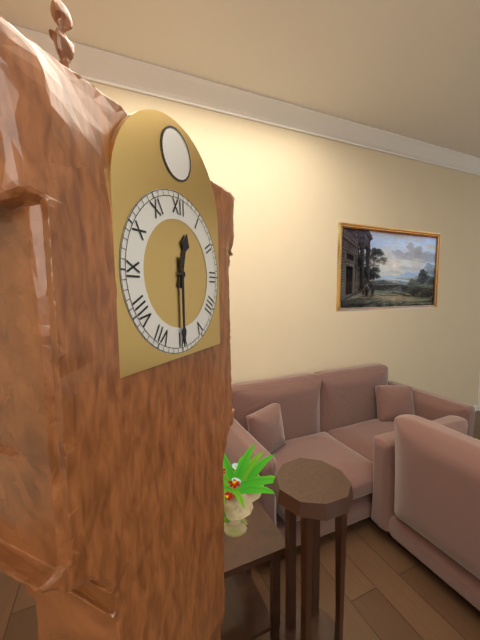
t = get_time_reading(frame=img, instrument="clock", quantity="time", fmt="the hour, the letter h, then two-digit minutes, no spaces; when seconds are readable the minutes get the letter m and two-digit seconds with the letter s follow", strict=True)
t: 12h30
